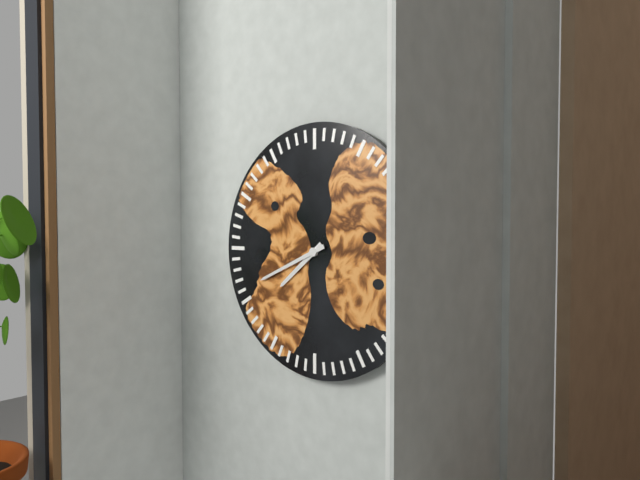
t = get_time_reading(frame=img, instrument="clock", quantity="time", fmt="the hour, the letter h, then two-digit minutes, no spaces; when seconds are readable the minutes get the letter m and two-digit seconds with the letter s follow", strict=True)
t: 7h41
